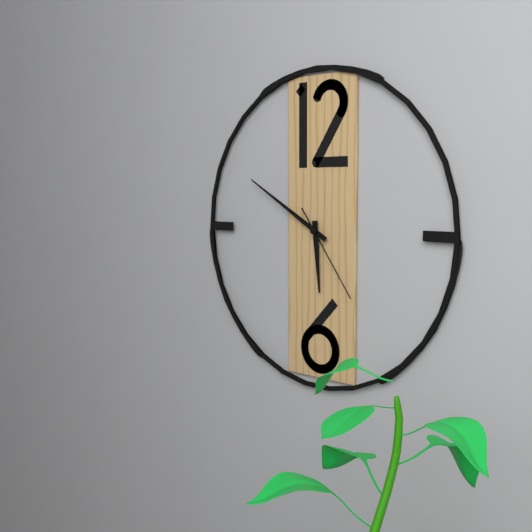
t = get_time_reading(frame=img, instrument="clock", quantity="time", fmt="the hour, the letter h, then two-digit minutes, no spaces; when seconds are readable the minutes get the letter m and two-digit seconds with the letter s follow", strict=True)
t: 5h50m24s
